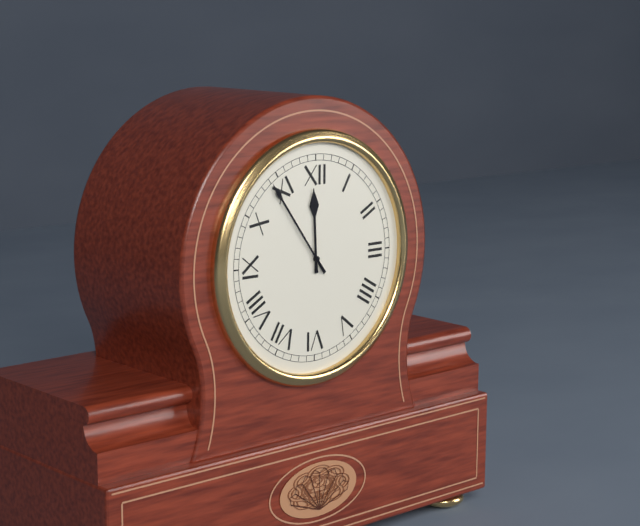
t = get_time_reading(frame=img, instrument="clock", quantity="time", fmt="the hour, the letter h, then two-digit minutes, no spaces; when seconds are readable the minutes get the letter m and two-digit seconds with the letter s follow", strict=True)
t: 11h54
